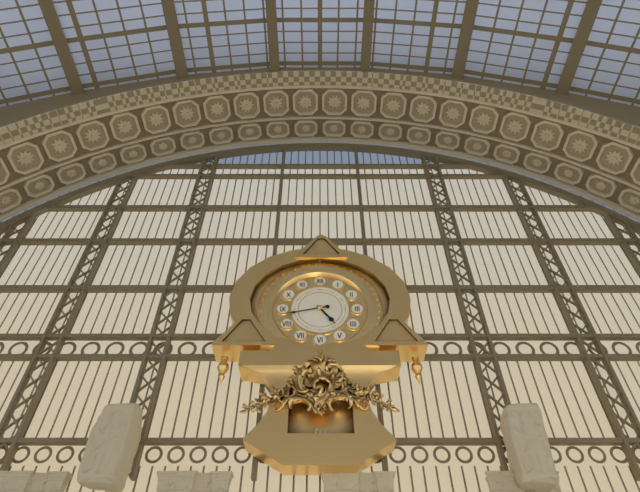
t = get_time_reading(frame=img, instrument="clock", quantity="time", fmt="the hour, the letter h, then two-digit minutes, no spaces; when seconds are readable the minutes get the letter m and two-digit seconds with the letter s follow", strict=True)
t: 4h43
